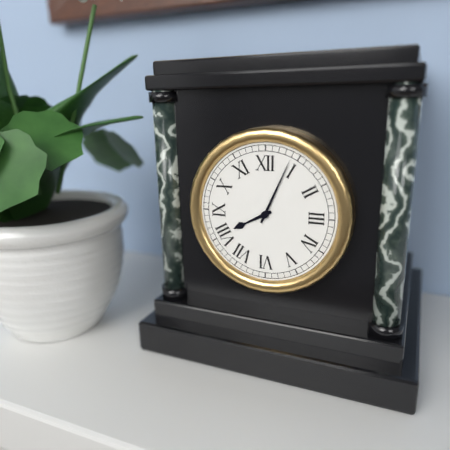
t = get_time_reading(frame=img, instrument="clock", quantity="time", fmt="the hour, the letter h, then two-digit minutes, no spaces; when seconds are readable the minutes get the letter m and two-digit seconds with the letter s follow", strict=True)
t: 8h04
